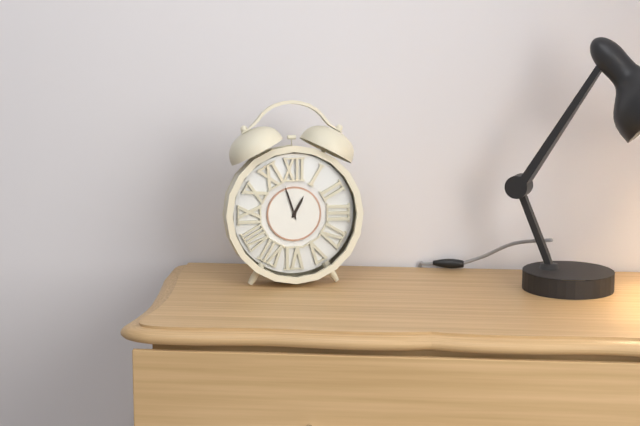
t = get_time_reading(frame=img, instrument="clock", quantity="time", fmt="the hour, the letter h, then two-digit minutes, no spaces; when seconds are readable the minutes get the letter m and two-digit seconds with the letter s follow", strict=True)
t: 12h57
